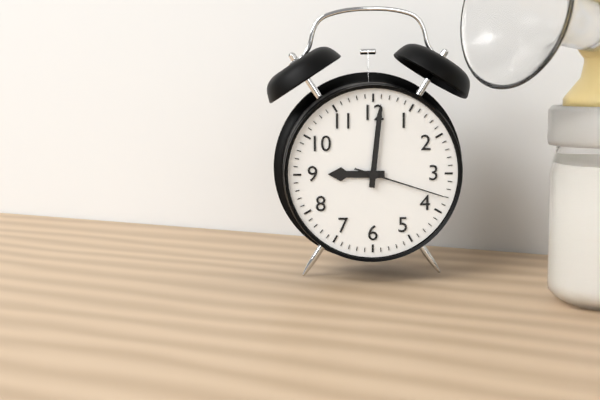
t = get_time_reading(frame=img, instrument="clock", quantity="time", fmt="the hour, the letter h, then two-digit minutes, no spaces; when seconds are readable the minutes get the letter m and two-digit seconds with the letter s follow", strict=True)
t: 9h01m18s
